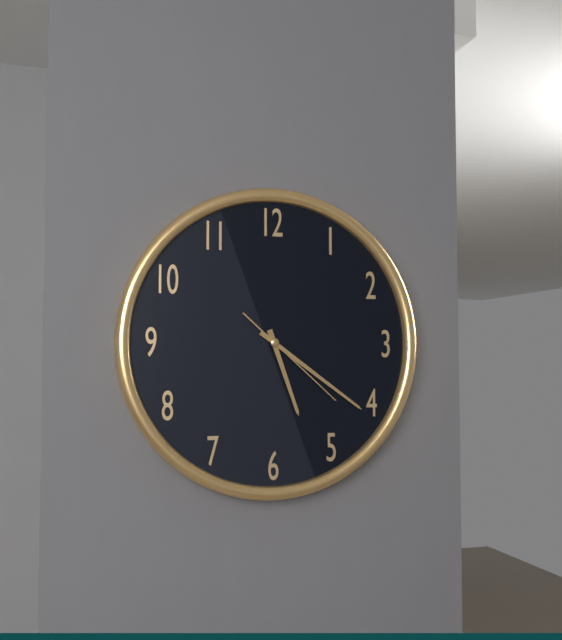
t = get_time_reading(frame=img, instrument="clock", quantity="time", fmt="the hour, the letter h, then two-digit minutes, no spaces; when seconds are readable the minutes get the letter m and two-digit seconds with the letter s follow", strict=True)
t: 5h21m22s
